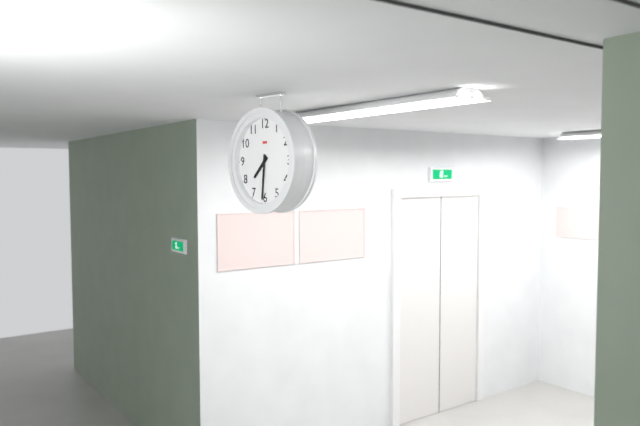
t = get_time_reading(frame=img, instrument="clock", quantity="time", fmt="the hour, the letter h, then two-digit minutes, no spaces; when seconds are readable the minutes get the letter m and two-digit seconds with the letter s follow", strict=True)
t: 7h31
